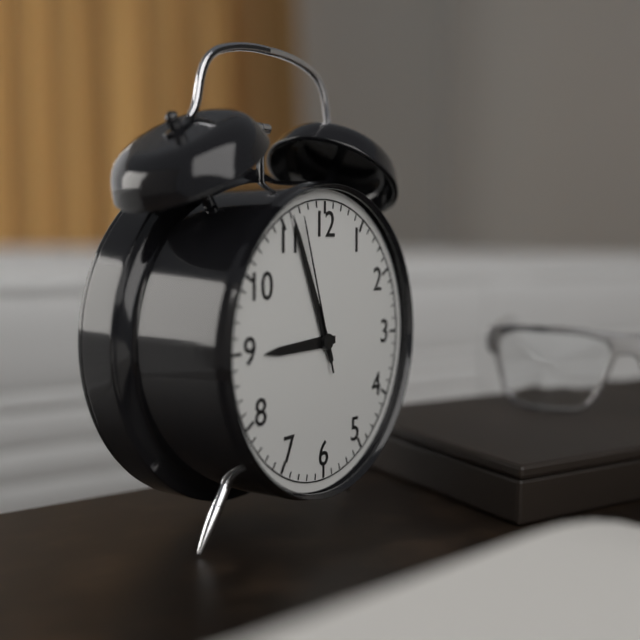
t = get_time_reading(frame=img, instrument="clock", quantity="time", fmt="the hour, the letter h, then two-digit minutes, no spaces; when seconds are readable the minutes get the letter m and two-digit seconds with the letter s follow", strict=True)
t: 8h56m57s
